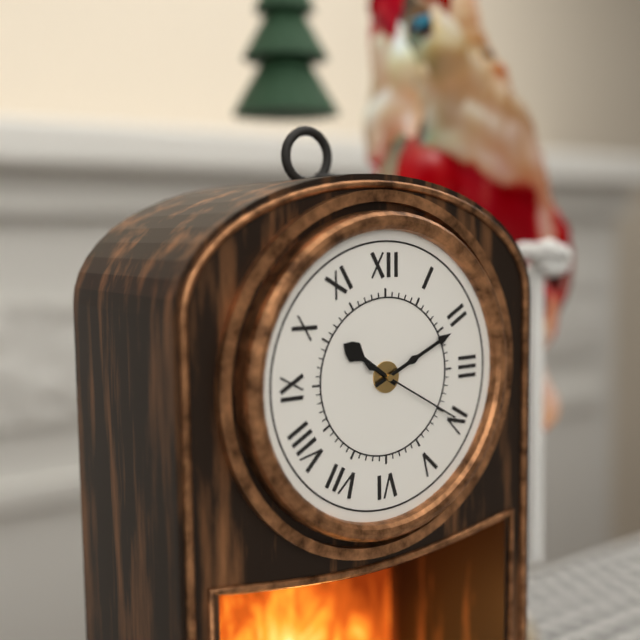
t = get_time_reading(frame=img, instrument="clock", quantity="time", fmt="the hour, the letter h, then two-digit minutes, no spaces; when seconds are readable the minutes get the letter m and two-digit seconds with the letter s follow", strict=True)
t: 10h11m20s
